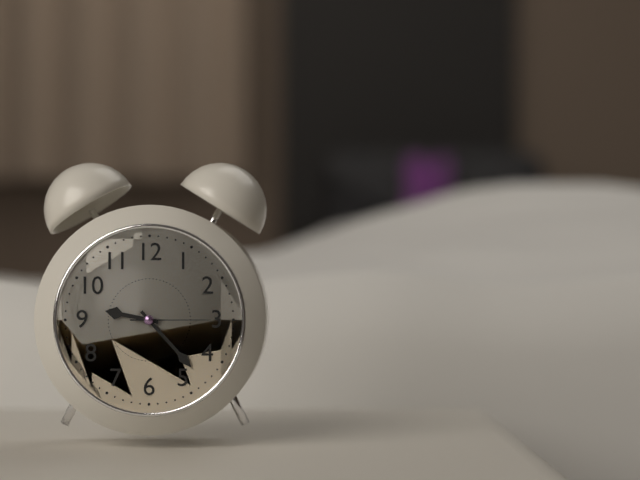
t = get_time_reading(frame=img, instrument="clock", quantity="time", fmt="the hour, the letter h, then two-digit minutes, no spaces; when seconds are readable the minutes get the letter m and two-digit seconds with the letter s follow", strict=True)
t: 9h23m15s
